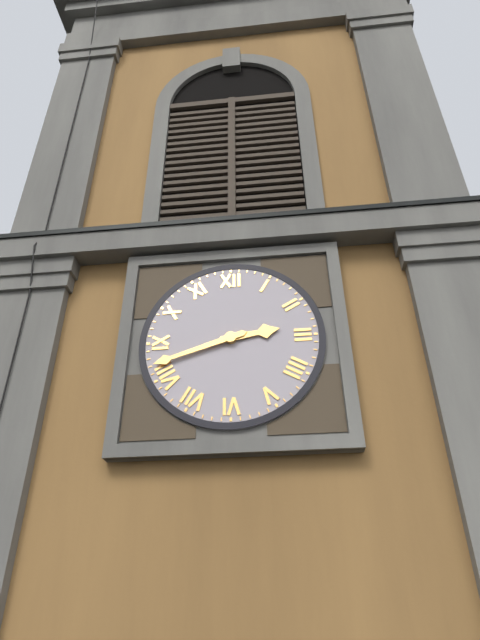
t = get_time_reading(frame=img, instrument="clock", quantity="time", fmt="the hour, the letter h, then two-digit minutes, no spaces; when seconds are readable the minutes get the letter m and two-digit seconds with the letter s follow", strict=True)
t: 2h42
